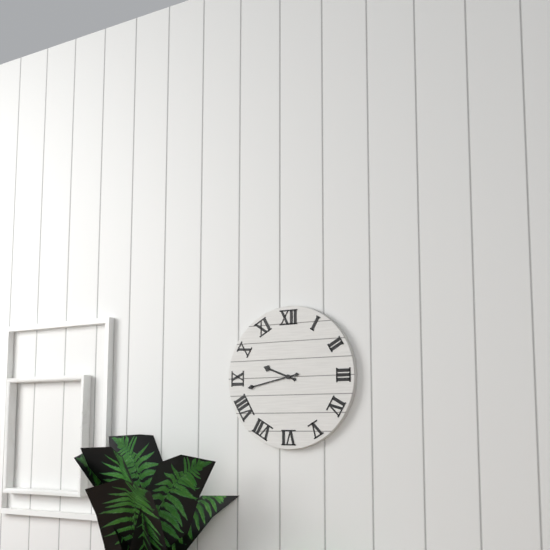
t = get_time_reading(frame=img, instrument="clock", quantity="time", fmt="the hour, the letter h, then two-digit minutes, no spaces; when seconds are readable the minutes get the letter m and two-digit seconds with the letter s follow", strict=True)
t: 9h43
